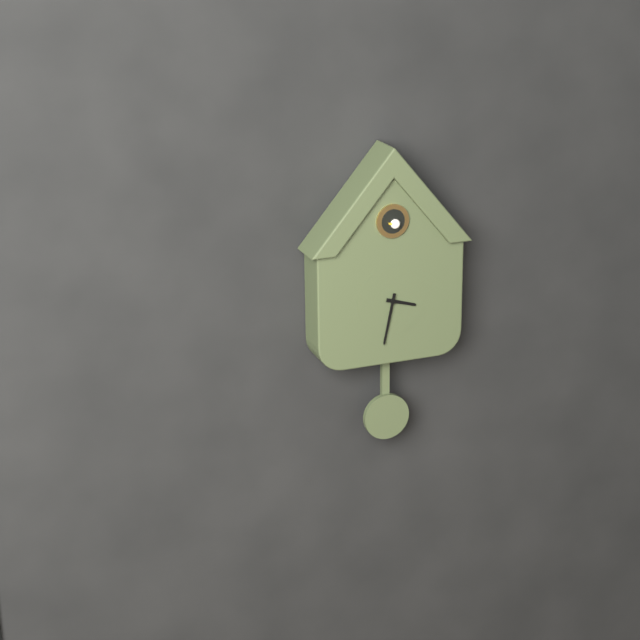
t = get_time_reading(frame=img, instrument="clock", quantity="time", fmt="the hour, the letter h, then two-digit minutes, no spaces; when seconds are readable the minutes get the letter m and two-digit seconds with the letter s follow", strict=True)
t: 3h32
